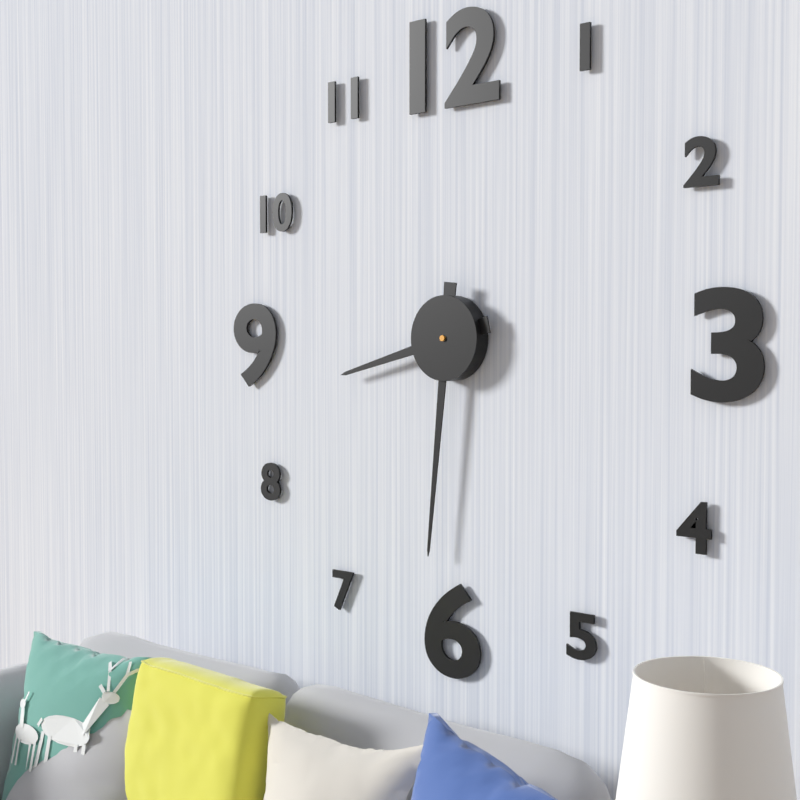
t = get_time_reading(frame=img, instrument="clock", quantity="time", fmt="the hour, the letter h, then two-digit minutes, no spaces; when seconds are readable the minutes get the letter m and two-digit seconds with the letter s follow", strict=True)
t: 8h31
